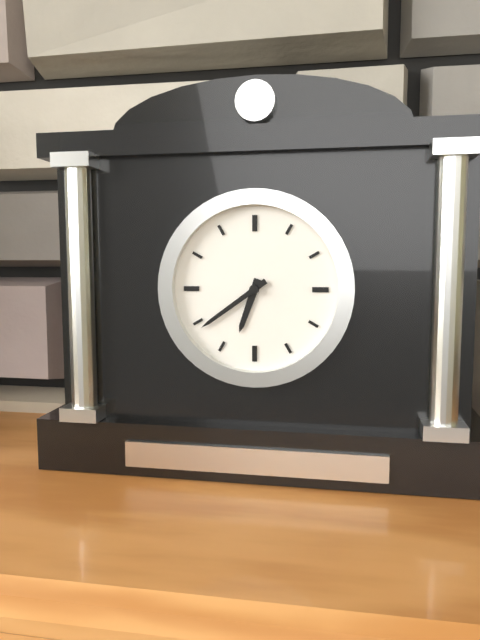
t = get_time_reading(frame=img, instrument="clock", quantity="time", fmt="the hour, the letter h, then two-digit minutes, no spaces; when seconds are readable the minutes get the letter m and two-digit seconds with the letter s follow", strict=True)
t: 6h39
